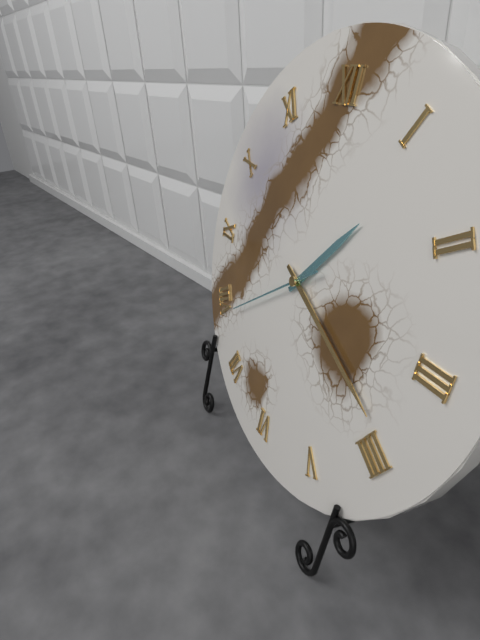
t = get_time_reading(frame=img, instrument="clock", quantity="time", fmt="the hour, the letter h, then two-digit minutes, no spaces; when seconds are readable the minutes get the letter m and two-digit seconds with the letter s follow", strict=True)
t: 1h19m39s
